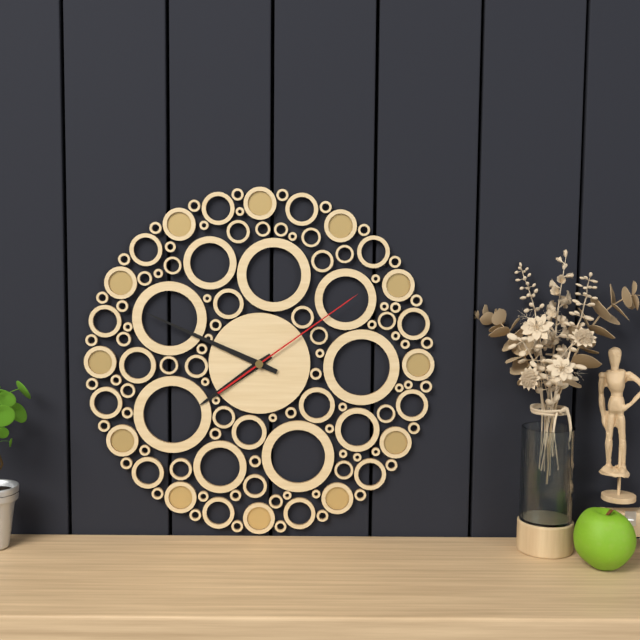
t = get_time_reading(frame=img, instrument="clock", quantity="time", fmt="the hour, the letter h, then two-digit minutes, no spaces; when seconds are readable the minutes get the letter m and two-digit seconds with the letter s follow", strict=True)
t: 7h49m09s
